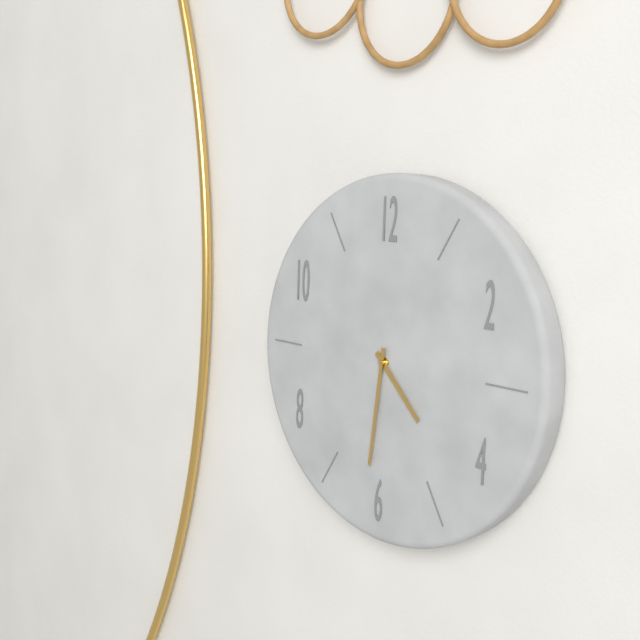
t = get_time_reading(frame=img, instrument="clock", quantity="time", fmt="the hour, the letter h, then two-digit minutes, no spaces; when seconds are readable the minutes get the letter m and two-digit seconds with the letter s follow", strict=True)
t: 4h31
